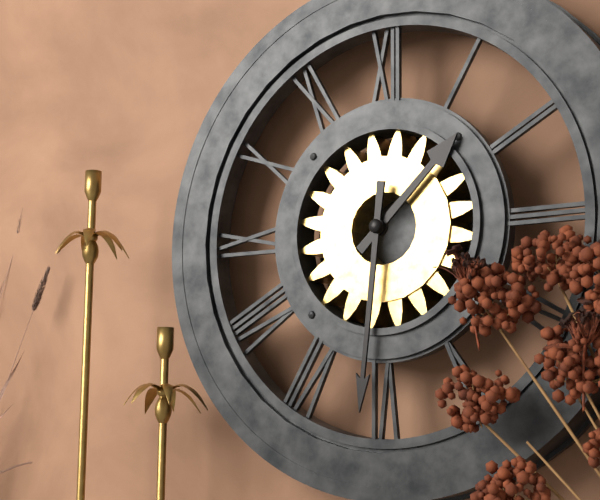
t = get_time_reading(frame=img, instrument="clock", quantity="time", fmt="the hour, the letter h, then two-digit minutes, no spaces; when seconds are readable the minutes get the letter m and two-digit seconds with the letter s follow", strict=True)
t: 1h31
